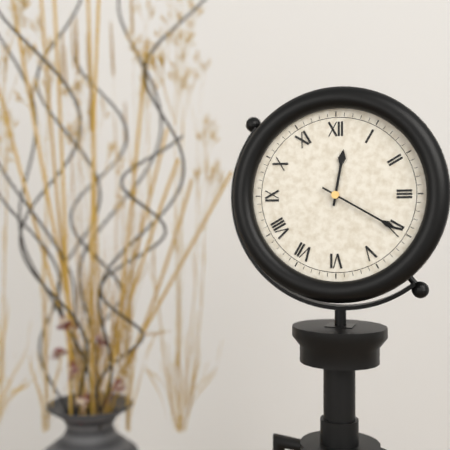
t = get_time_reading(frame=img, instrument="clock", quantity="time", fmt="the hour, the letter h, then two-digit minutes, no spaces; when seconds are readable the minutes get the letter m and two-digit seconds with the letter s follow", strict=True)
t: 12h20
